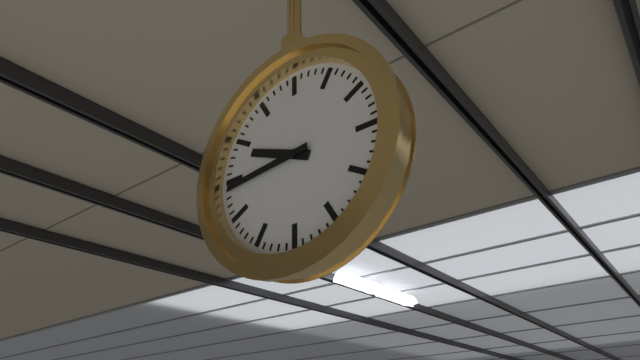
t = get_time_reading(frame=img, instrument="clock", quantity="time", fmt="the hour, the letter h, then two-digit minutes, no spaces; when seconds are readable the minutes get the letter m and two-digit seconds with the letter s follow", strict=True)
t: 9h44
